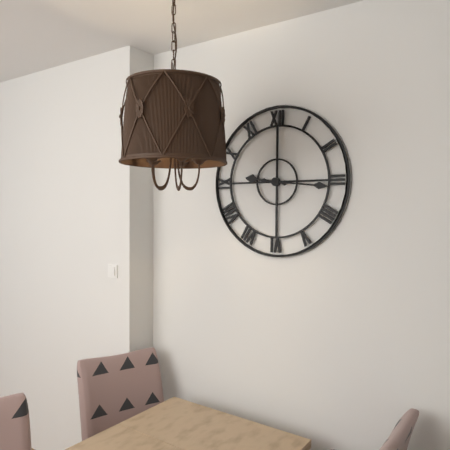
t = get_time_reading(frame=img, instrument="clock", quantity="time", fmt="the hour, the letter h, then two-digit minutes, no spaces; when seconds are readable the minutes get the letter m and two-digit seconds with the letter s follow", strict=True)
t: 9h16
